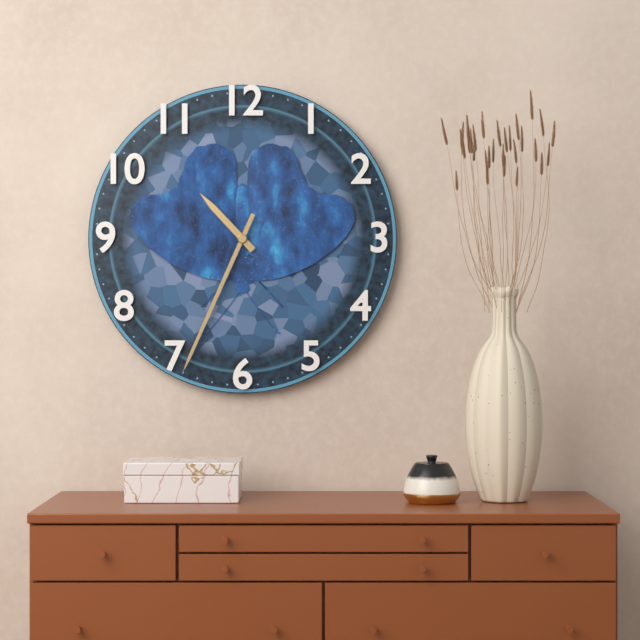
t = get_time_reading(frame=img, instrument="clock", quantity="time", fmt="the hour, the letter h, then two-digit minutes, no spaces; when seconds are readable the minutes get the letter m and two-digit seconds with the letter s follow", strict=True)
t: 10h34
